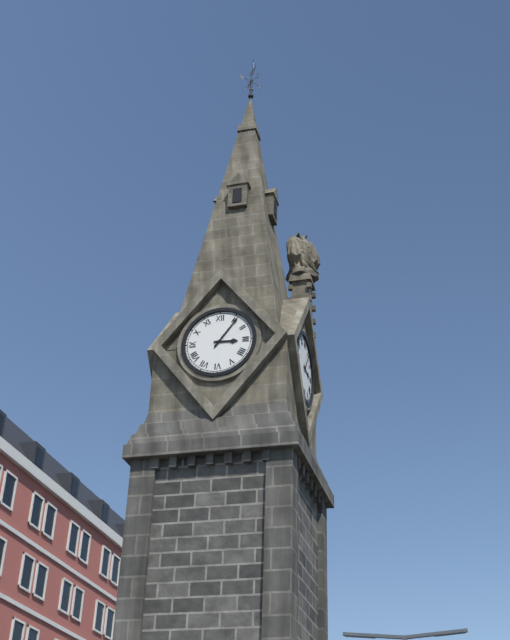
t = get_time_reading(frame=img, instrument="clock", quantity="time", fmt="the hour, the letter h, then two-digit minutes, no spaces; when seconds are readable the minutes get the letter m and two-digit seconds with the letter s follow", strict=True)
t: 3h06
